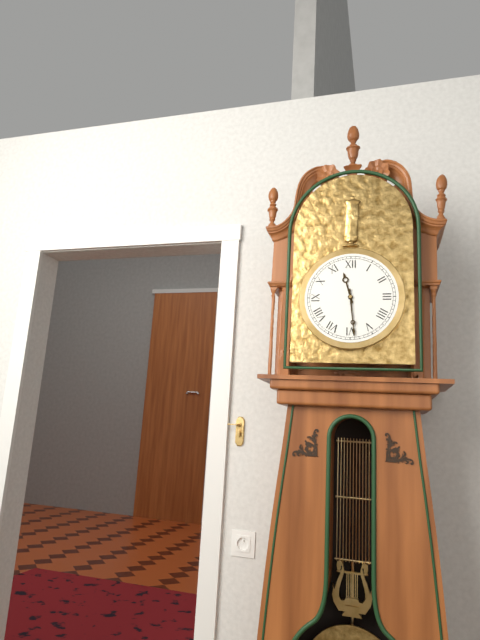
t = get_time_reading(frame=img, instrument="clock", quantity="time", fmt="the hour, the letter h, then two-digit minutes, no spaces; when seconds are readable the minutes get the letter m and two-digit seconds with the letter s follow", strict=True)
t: 11h29
